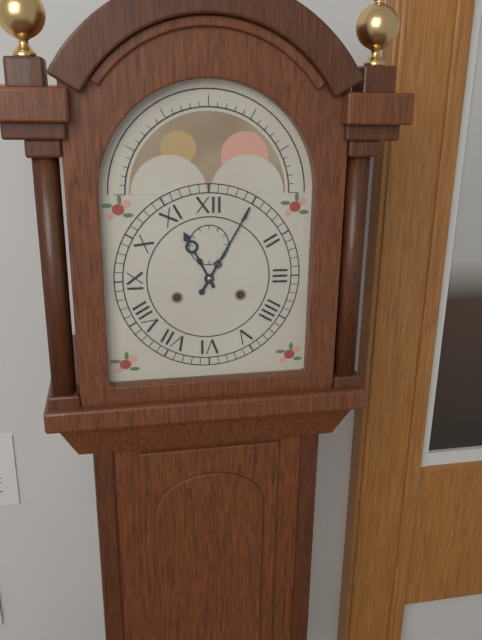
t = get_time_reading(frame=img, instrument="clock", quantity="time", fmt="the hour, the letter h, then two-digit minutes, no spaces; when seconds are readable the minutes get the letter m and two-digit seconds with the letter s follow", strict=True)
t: 11h05
